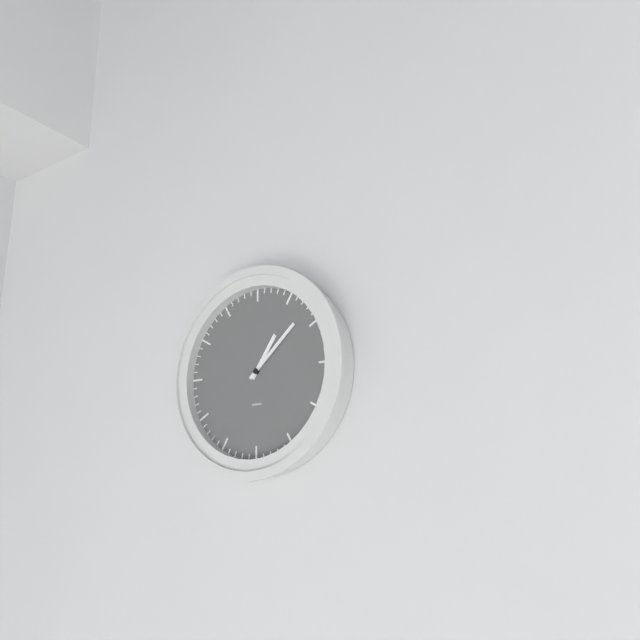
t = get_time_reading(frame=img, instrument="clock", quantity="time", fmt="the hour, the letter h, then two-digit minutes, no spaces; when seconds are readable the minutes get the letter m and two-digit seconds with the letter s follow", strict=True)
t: 1h08
